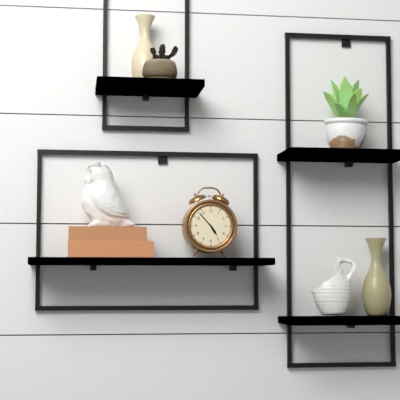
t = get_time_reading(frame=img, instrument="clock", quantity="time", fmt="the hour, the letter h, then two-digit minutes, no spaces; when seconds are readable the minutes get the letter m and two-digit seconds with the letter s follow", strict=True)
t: 4h53
